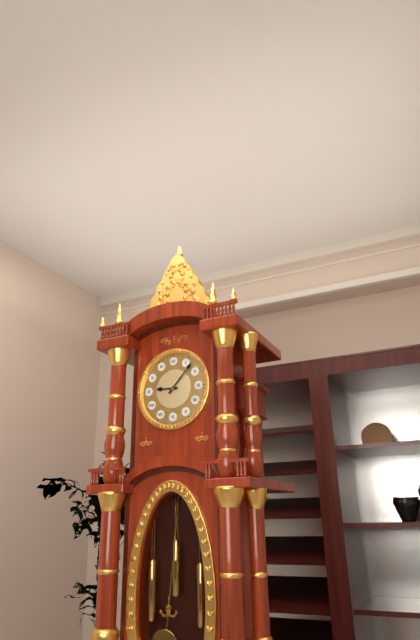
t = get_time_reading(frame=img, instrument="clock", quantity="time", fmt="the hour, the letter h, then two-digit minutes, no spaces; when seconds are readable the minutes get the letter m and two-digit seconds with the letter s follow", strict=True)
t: 9h07
